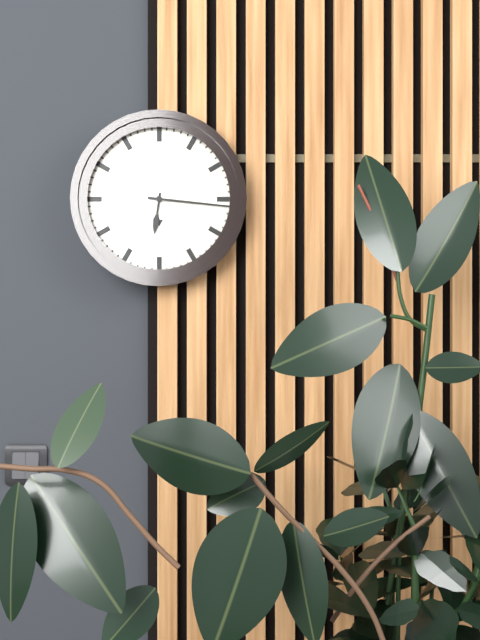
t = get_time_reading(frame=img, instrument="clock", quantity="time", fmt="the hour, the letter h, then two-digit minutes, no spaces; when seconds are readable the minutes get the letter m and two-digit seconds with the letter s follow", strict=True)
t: 6h16
